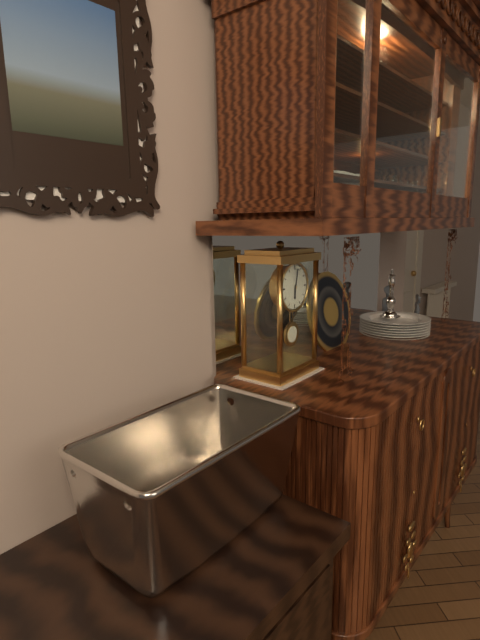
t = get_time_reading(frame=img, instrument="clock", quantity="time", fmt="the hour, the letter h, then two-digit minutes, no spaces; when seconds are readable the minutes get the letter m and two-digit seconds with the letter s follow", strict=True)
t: 6h02
